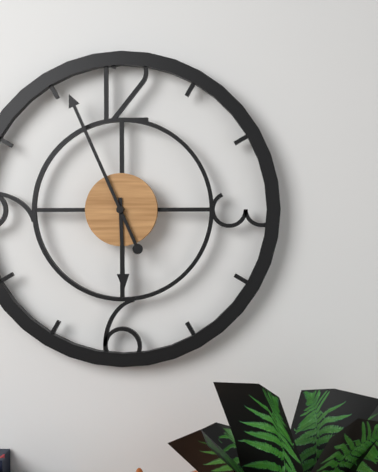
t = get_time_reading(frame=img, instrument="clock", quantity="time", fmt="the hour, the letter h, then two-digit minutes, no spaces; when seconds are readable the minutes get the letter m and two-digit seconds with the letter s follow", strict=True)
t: 5h56
